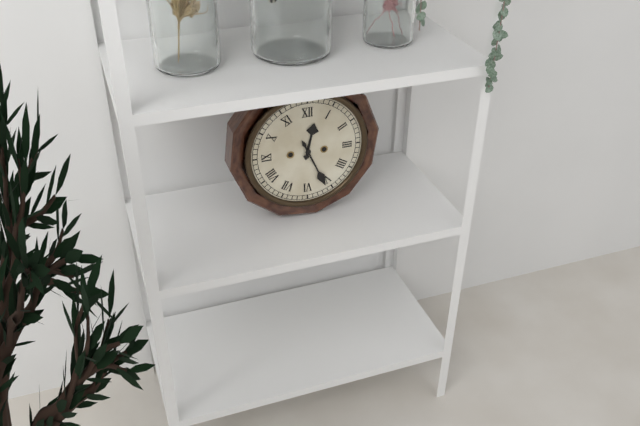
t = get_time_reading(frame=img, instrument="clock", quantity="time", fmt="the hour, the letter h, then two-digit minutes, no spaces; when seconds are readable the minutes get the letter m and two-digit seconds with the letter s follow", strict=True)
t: 12h26
